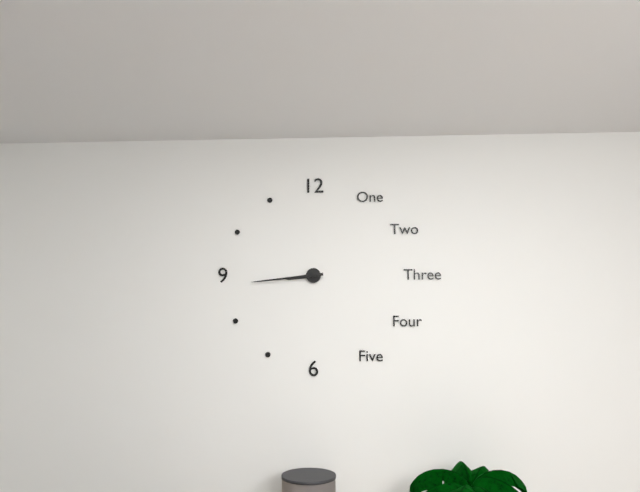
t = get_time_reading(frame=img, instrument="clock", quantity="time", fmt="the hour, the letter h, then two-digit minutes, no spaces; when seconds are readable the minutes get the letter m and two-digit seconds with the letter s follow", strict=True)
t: 8h44
